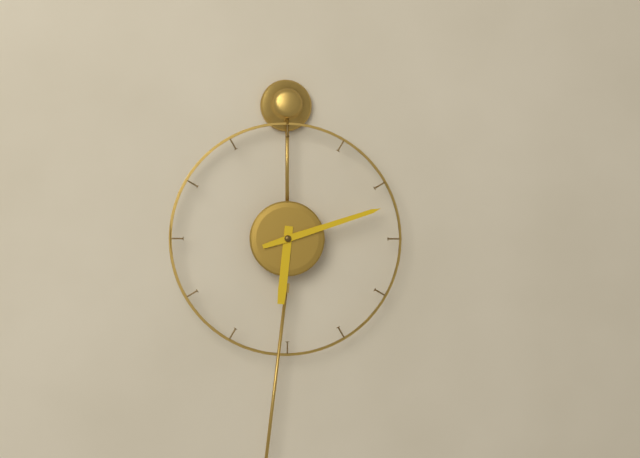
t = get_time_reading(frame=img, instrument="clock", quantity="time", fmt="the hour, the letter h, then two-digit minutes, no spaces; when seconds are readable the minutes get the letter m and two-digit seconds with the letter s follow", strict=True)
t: 6h12
